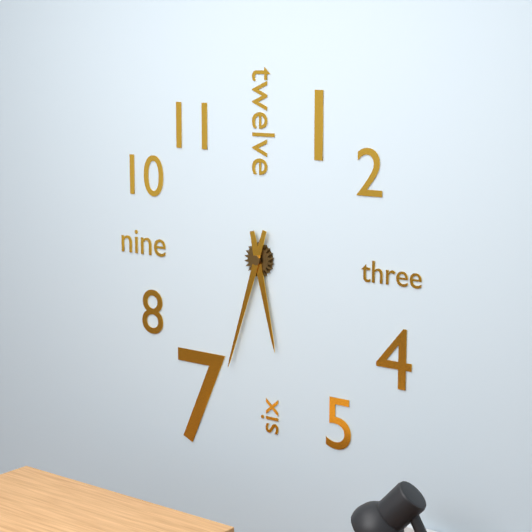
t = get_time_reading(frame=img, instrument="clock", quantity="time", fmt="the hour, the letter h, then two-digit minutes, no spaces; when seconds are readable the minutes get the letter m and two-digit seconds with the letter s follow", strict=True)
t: 5h33
